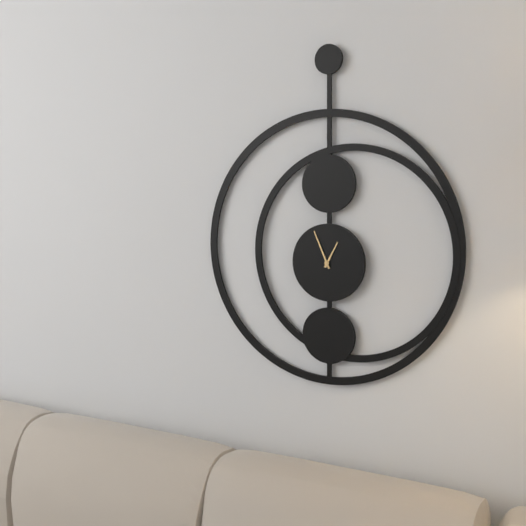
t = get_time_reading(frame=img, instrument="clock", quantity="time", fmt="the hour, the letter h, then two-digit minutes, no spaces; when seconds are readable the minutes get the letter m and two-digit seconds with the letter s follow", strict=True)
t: 12h56
